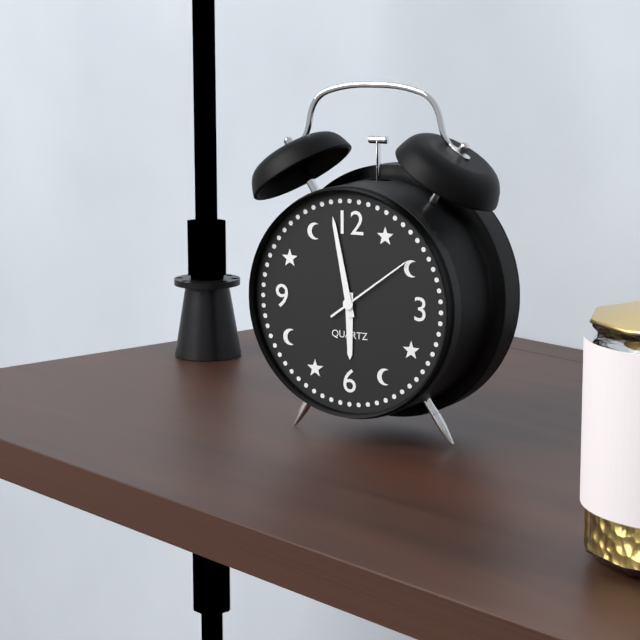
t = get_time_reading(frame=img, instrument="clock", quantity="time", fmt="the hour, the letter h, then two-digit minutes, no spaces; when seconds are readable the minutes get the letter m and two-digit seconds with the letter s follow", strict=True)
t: 5h58m09s
